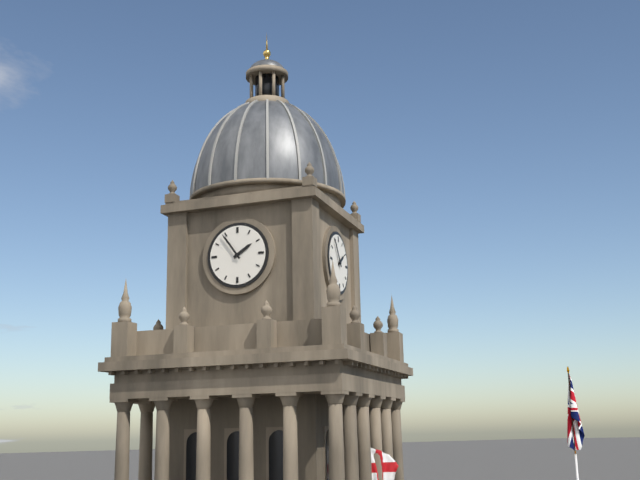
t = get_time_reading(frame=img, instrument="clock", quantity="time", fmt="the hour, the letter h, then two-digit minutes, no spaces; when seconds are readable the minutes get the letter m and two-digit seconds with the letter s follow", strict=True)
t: 1h54
